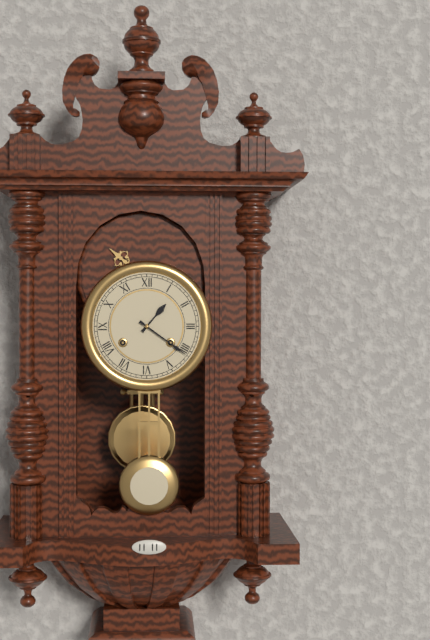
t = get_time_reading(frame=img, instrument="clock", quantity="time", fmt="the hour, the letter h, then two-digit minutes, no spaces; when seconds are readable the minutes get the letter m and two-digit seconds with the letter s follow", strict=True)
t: 1h21
